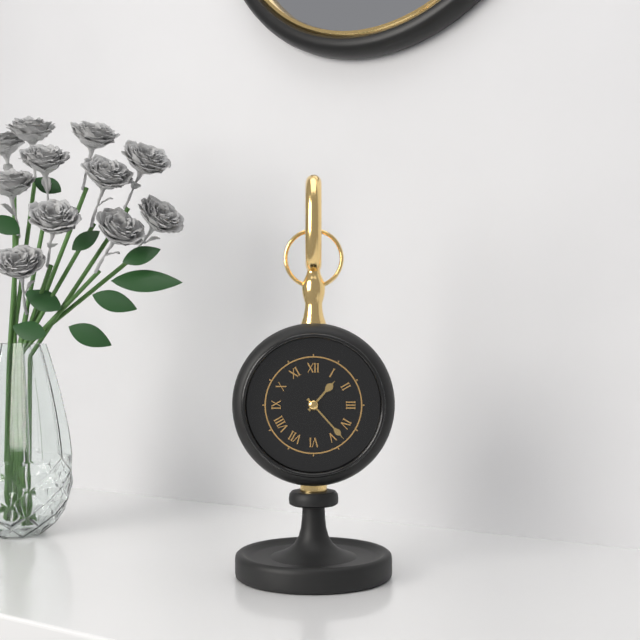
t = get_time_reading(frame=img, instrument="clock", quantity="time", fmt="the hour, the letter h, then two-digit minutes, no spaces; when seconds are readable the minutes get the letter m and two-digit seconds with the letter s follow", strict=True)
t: 1h23
